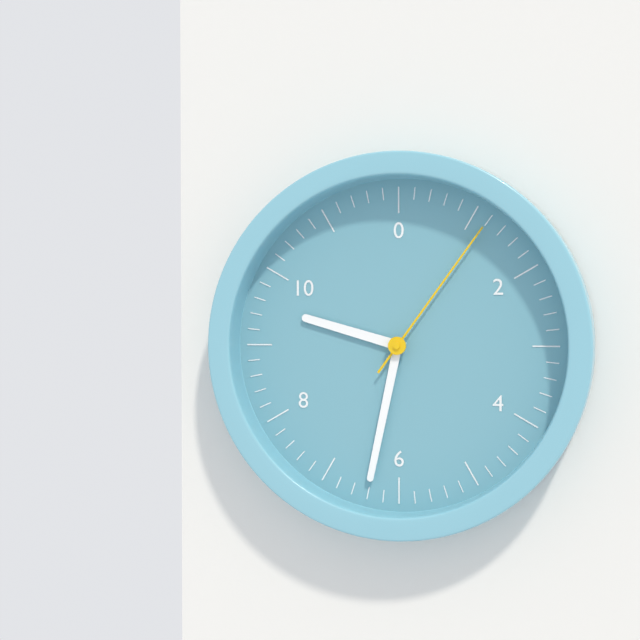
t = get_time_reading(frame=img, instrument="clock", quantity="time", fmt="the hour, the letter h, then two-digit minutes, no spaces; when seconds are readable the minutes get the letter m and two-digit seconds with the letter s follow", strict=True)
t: 9h32m06s
